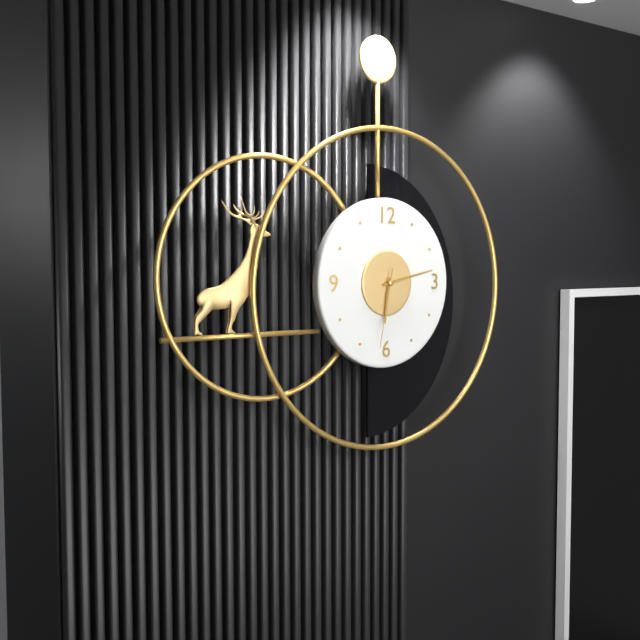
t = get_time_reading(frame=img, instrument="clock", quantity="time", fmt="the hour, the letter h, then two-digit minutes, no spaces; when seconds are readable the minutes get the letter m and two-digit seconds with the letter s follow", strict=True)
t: 6h13m32s
